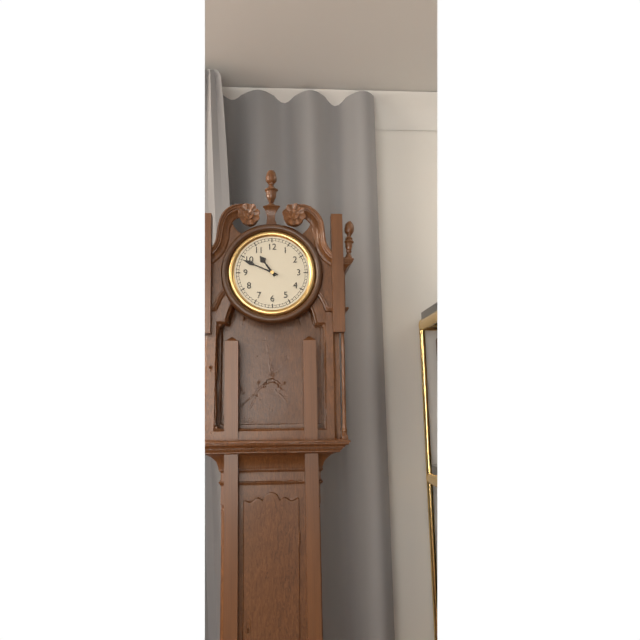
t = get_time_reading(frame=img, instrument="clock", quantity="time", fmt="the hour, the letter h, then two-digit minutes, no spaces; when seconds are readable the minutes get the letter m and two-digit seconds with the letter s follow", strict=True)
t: 10h49
